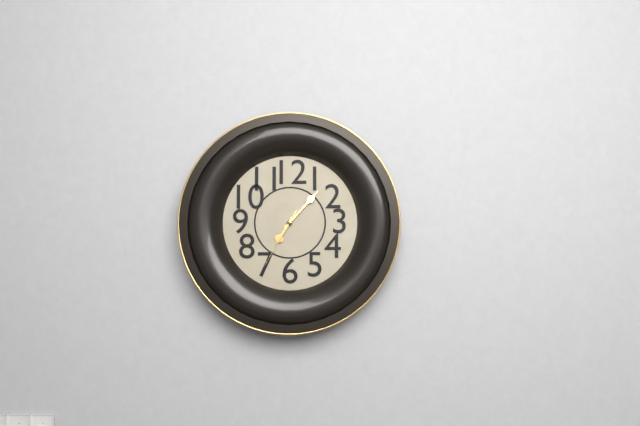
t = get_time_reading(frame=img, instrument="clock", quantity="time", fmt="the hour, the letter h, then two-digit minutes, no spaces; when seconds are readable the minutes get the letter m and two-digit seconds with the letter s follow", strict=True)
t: 7h07m35s
